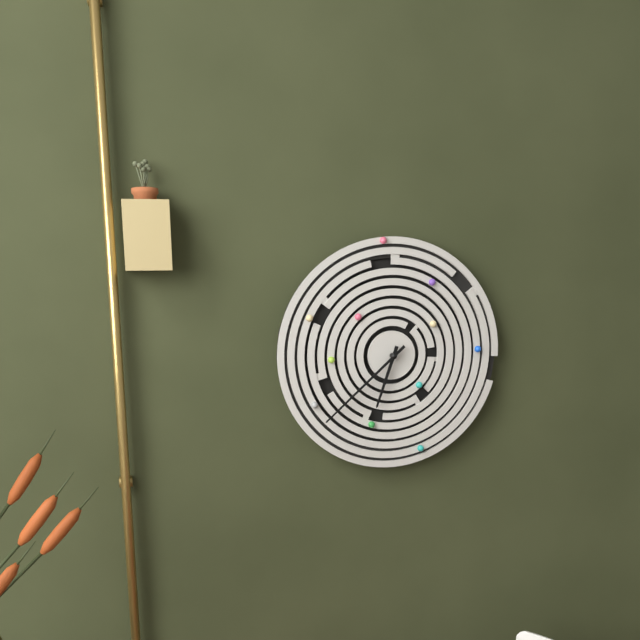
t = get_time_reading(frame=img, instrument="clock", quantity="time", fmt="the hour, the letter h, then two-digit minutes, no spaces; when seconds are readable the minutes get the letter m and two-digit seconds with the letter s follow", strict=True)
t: 6h38
